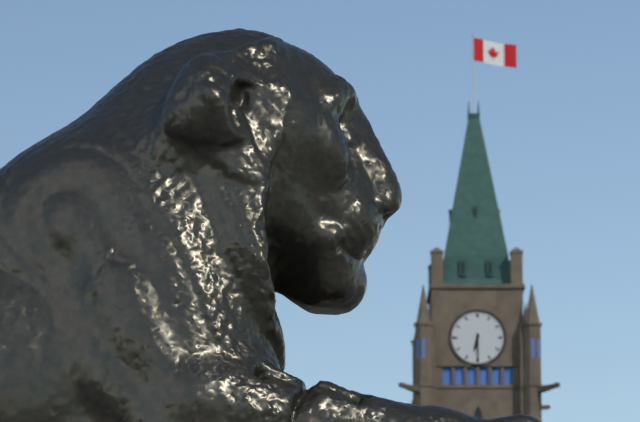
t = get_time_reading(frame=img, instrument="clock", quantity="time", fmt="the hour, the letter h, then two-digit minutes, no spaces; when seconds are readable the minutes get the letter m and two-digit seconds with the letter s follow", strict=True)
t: 6h30
